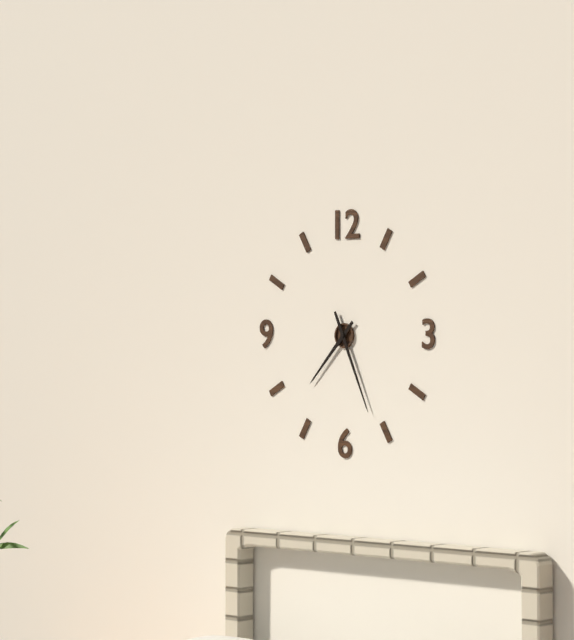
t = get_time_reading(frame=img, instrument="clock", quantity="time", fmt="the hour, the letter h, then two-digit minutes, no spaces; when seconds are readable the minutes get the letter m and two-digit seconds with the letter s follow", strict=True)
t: 7h26
